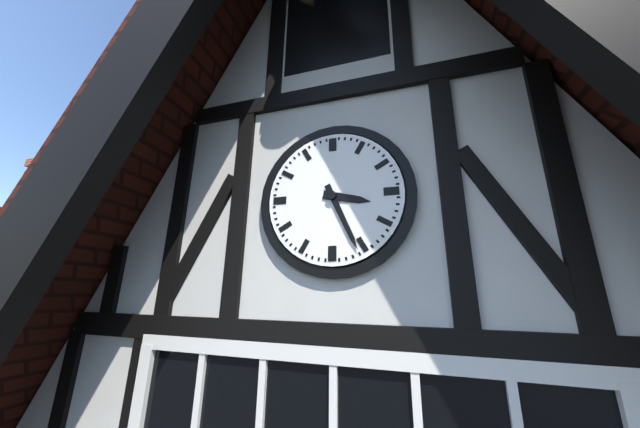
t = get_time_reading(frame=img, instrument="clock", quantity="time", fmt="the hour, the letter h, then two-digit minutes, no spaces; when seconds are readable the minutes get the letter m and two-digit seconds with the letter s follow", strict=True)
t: 3h26
